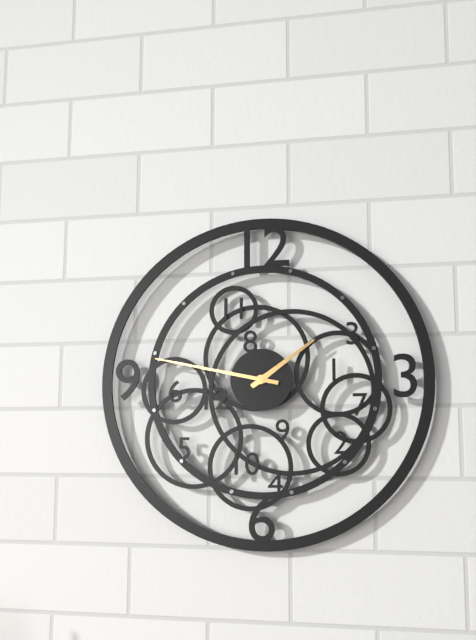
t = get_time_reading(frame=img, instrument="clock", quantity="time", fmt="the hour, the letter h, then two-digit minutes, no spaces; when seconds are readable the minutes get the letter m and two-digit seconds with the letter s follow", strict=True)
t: 1h47
